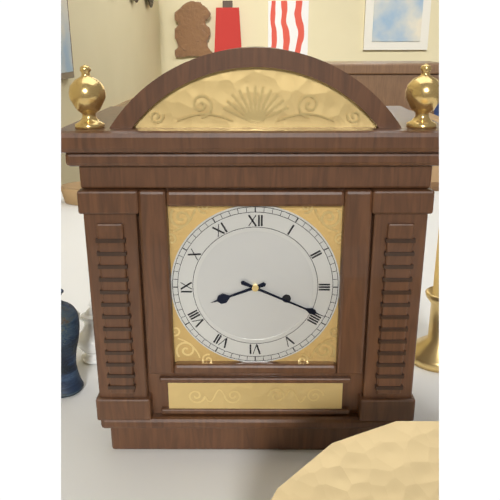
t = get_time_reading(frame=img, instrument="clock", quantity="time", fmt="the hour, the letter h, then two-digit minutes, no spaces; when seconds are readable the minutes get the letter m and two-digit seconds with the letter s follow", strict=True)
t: 8h19
